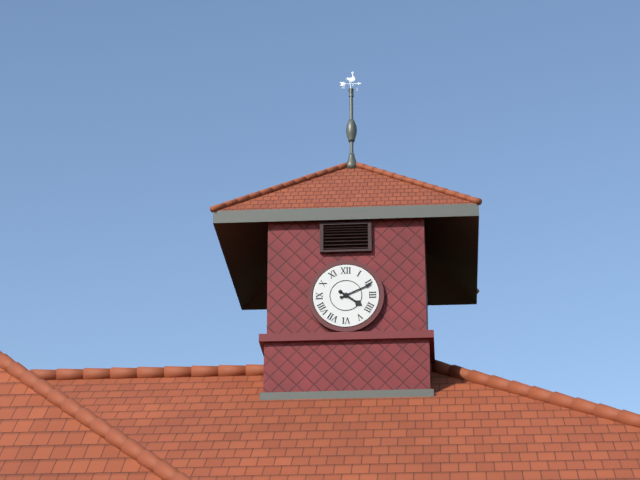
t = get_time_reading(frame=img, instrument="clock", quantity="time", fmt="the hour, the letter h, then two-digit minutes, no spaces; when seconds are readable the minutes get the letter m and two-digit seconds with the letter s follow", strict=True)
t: 4h11
